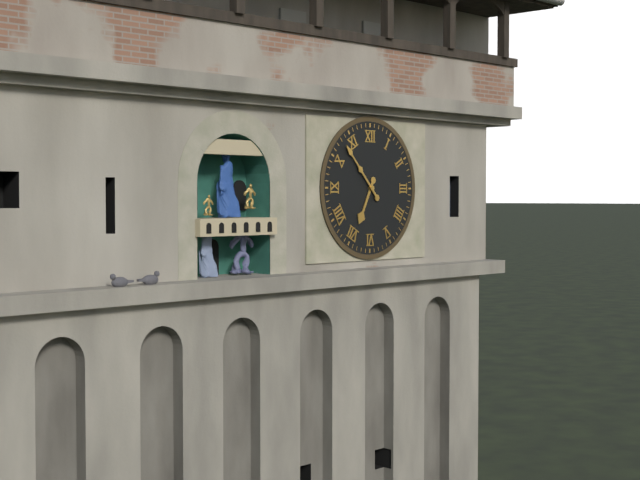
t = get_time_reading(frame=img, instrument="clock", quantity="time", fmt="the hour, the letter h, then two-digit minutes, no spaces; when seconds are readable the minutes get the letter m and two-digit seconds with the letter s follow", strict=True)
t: 6h53
